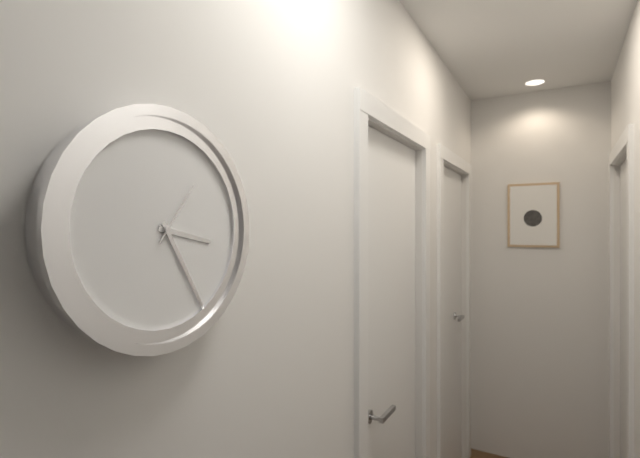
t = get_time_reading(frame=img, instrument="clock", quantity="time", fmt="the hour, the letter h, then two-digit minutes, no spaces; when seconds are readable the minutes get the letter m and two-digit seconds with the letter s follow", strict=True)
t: 3h25m06s
